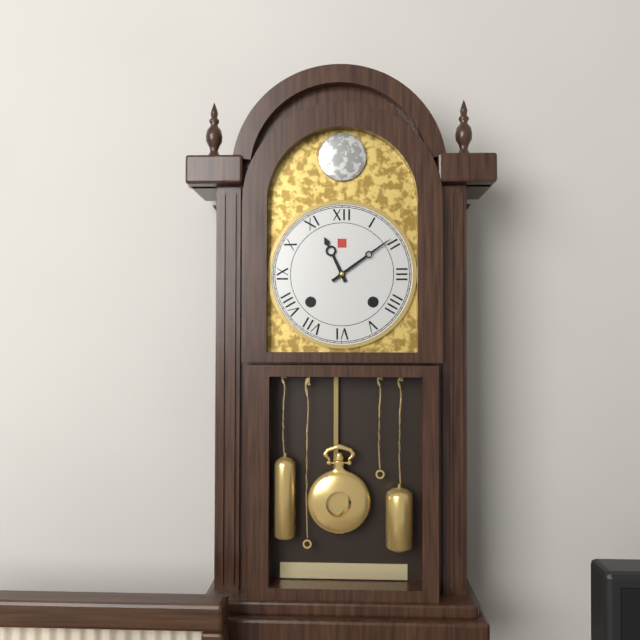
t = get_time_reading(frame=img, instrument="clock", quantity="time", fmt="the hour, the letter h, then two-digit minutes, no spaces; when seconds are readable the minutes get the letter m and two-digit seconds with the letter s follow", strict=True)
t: 11h09
